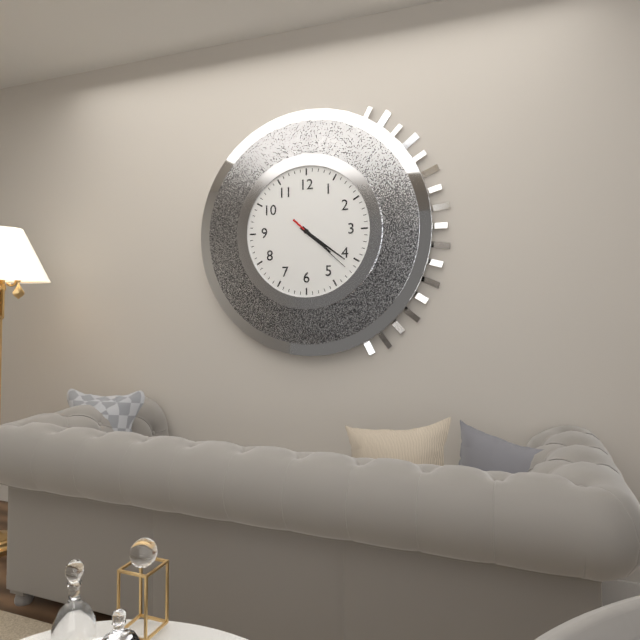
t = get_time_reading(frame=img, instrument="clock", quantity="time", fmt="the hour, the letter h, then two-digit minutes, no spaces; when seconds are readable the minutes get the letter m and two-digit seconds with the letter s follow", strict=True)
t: 4h21m22s
